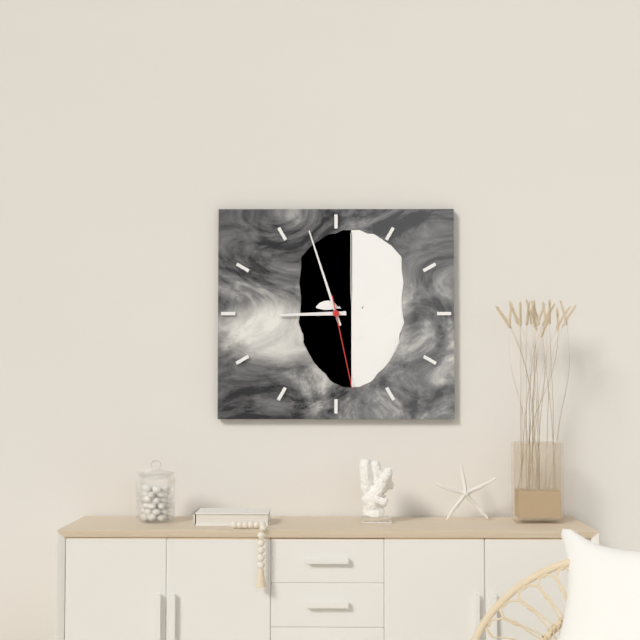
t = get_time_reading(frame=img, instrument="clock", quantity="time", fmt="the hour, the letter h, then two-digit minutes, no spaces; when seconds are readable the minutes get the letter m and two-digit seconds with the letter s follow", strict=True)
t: 8h57m28s
